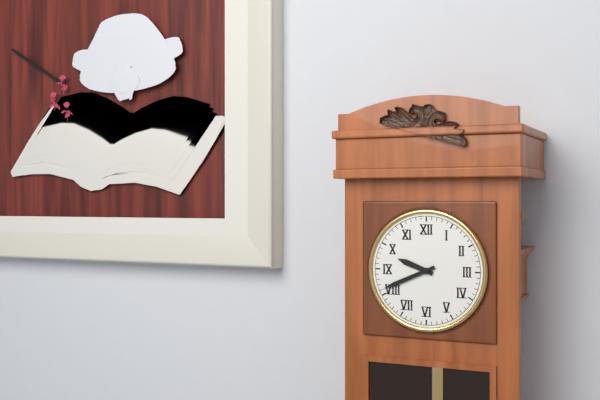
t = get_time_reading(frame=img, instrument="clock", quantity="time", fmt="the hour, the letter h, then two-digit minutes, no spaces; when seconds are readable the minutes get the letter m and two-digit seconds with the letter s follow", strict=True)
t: 9h41
